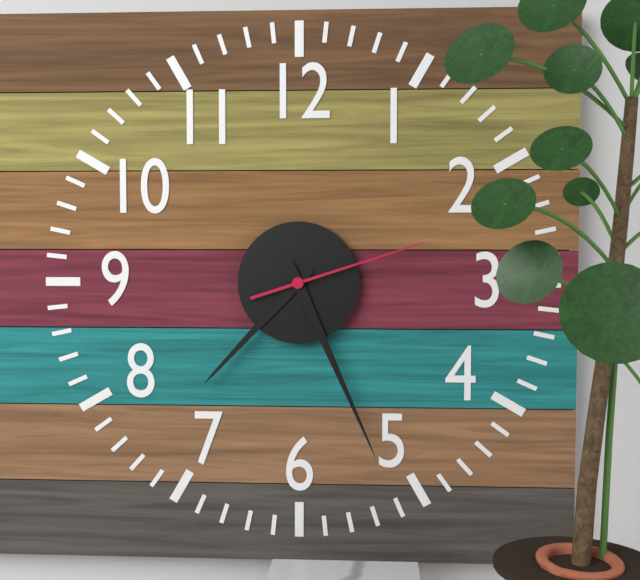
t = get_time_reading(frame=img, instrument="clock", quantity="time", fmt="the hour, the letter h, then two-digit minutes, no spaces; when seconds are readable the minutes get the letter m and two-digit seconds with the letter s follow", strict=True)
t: 7h26m12s
